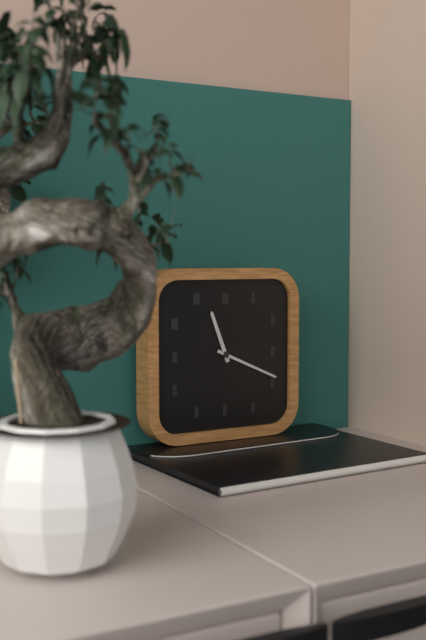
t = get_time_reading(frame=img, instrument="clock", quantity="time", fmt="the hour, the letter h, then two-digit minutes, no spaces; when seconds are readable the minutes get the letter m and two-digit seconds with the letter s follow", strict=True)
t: 11h19
